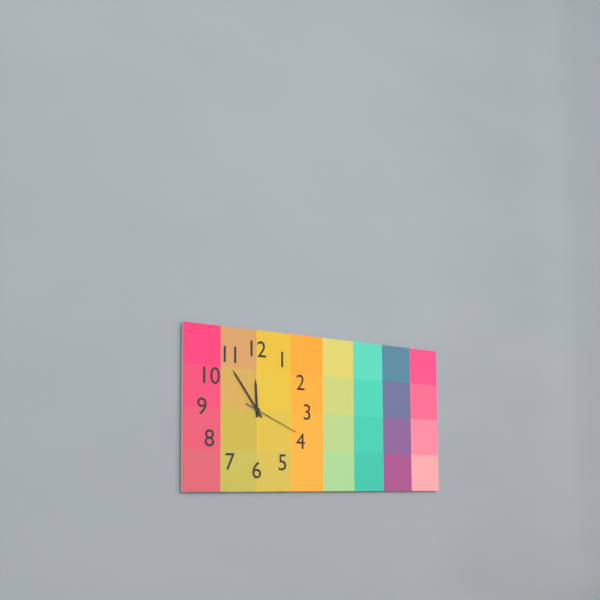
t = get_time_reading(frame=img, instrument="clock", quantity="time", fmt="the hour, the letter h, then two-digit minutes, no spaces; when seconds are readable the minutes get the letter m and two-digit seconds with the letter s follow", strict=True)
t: 11h54m19s
